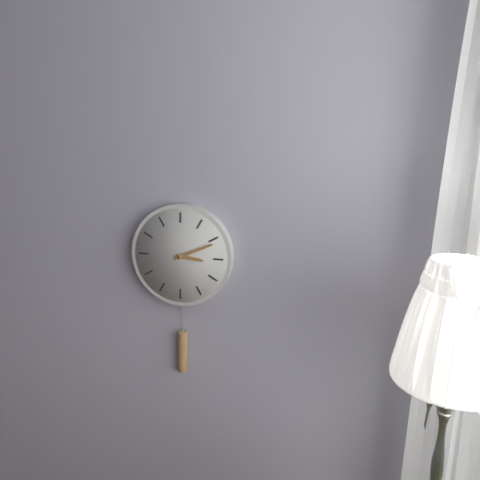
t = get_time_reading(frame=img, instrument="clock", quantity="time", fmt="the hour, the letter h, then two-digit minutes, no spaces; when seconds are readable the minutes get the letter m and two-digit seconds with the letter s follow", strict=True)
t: 3h11
